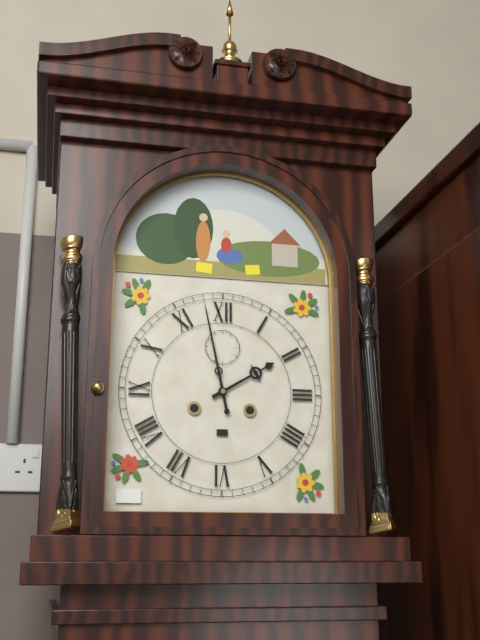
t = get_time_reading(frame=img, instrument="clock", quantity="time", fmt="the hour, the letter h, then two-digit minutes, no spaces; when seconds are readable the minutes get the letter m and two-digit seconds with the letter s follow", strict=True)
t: 1h58
